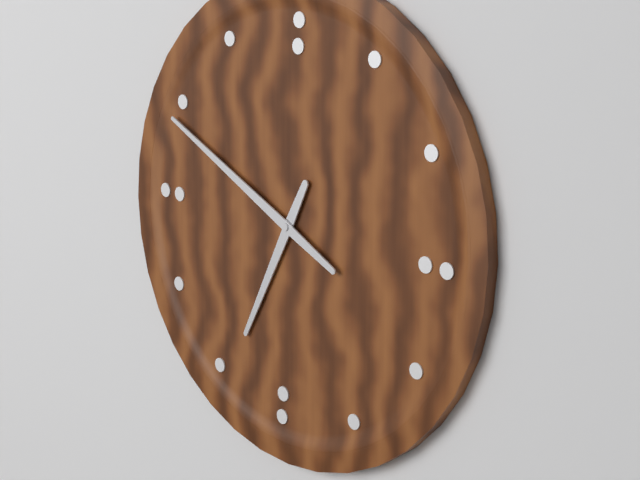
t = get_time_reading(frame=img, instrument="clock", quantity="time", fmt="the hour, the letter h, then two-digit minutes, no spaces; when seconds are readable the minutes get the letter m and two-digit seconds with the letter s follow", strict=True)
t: 6h49
